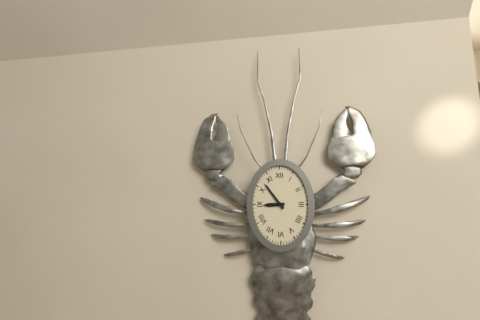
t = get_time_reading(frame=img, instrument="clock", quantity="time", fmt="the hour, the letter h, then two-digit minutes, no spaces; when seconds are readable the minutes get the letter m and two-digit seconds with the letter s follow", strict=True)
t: 8h54
